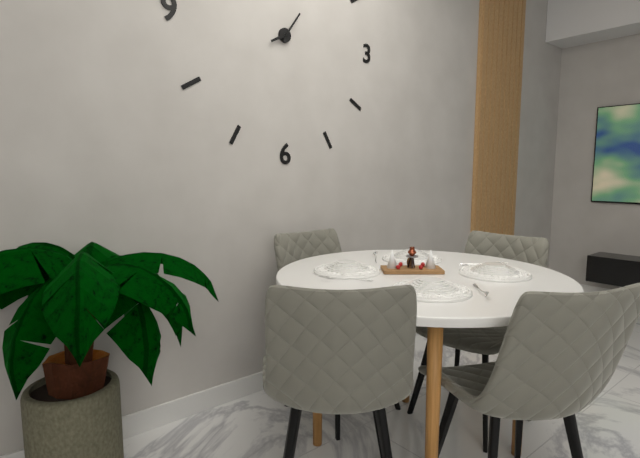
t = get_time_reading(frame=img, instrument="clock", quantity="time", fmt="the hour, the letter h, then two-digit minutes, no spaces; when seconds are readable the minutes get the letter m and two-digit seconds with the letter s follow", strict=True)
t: 8h06
